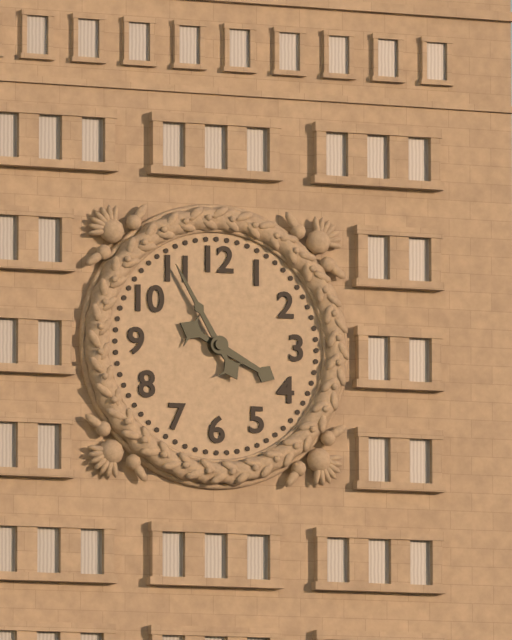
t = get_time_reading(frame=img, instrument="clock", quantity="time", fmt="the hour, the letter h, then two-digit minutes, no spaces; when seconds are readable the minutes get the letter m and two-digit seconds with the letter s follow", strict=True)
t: 3h55
